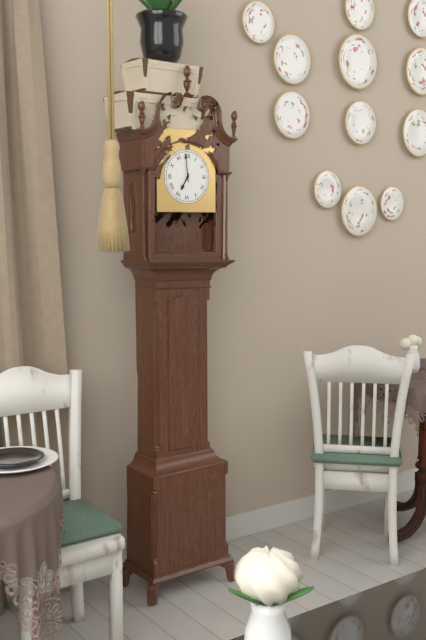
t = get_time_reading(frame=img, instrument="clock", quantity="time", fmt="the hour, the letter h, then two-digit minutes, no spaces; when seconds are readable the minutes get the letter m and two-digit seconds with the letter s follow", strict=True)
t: 6h59
